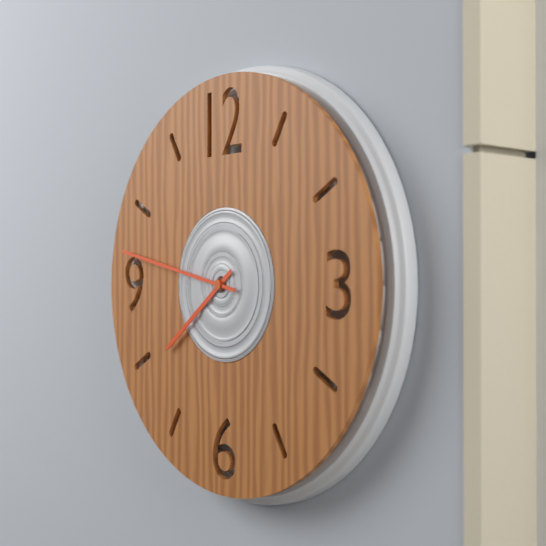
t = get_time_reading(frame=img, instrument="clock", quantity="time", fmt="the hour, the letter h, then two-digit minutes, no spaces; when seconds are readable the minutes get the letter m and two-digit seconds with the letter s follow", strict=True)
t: 7h47
